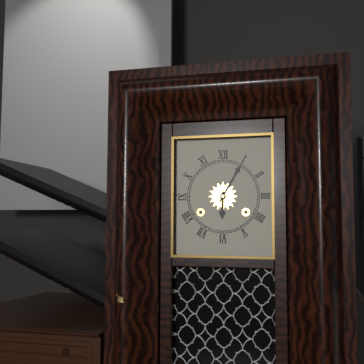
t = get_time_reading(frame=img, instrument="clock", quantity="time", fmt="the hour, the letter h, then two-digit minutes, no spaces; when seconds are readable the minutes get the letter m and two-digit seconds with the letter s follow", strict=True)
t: 6h05
